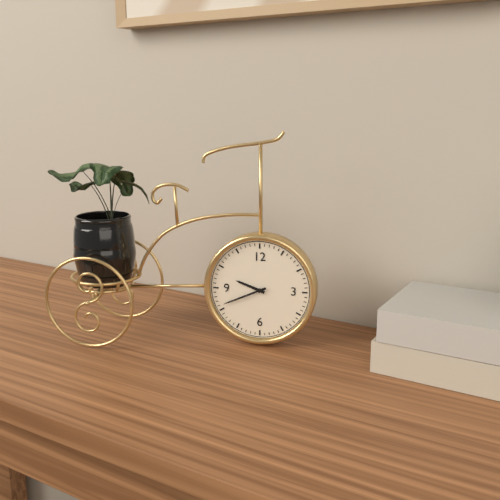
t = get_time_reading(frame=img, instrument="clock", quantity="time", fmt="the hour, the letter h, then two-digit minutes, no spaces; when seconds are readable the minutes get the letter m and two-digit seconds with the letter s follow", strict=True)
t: 9h41
